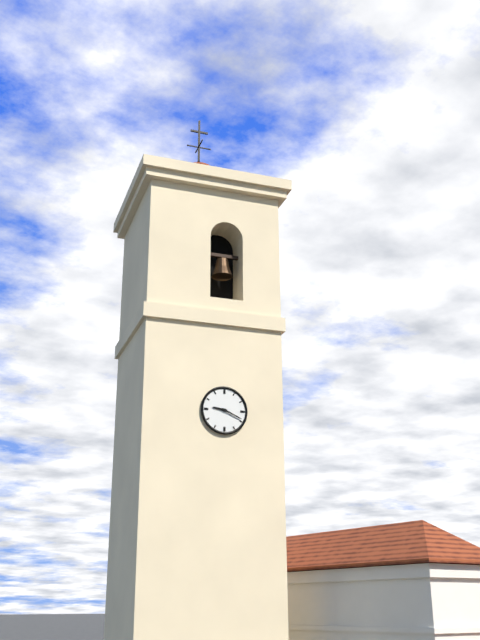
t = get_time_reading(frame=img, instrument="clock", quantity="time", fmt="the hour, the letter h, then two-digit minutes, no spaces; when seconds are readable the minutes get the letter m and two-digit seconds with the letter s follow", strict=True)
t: 9h19
